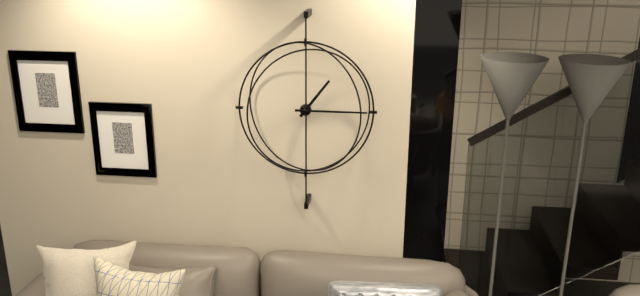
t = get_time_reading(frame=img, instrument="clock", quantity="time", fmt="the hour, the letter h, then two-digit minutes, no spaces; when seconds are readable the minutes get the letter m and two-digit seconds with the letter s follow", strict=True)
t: 1h15
